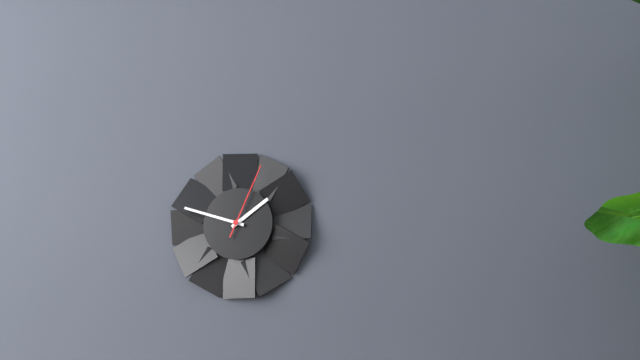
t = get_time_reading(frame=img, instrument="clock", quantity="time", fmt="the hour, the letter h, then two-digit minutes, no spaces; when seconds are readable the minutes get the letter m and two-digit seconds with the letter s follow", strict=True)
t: 1h48m04s
